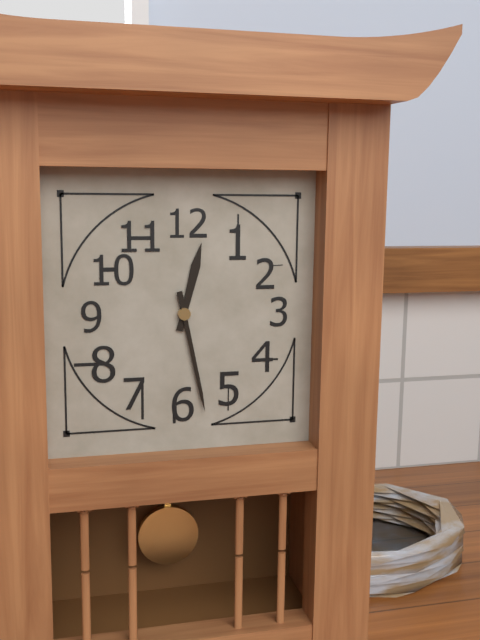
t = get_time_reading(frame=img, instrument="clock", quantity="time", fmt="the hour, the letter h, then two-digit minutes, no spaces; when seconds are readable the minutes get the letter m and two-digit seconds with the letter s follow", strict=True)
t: 12h28
